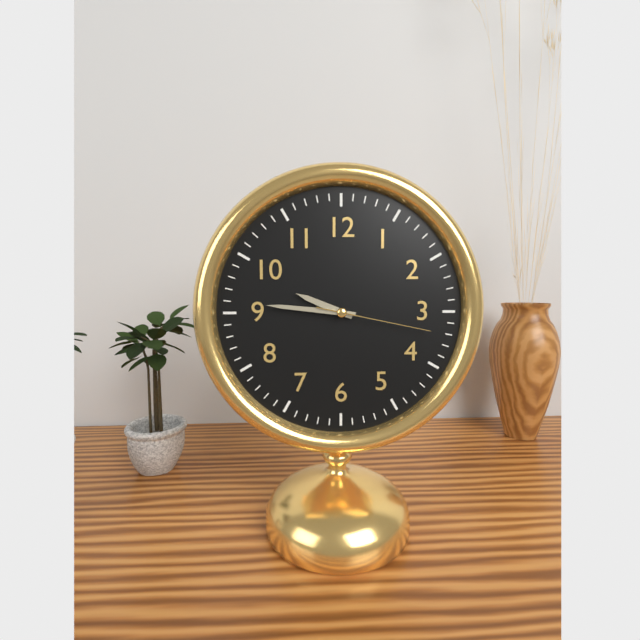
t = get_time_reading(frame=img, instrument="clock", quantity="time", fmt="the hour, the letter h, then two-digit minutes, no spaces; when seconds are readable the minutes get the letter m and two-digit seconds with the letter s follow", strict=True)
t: 9h46m17s
